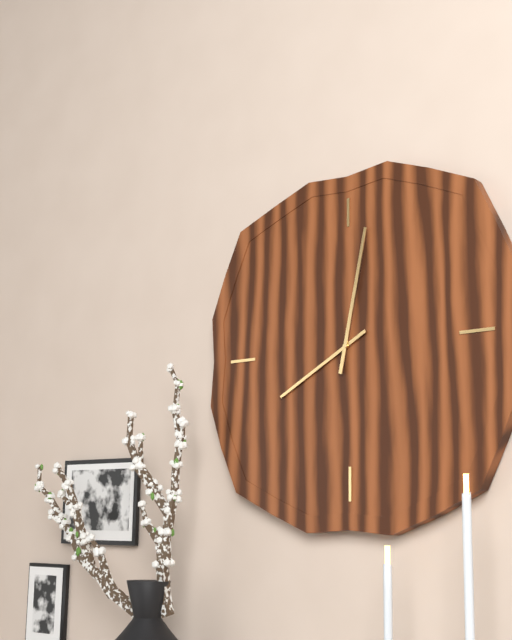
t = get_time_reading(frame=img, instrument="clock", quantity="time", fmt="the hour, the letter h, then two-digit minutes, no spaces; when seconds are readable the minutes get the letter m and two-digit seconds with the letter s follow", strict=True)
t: 8h02
